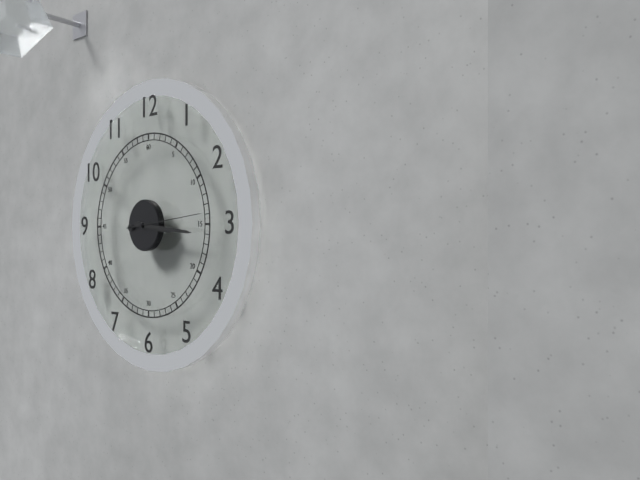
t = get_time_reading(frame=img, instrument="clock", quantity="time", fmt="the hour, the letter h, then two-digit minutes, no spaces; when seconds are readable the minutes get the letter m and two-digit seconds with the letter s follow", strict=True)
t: 3h16m14s
